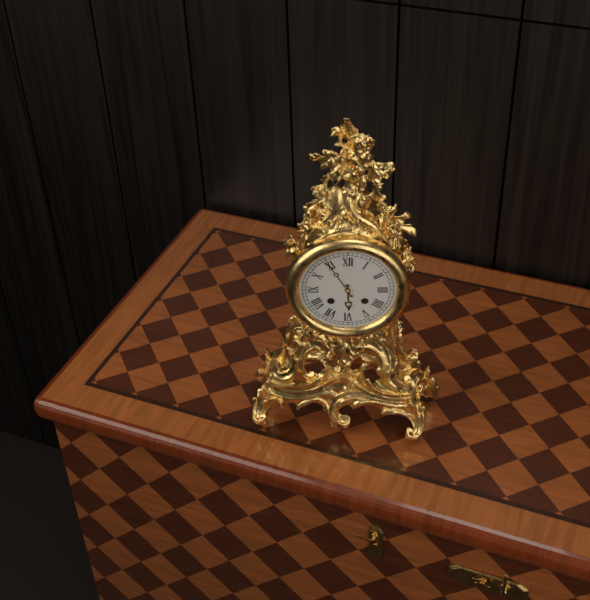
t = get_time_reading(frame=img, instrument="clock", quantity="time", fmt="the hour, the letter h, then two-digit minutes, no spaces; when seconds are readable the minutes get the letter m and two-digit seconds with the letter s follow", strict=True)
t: 5h55
